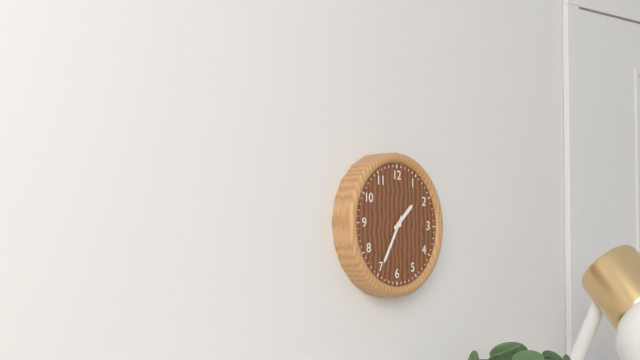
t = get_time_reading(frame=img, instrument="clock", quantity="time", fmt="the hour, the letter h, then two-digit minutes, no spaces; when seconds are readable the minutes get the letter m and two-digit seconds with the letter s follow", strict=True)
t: 1h35
